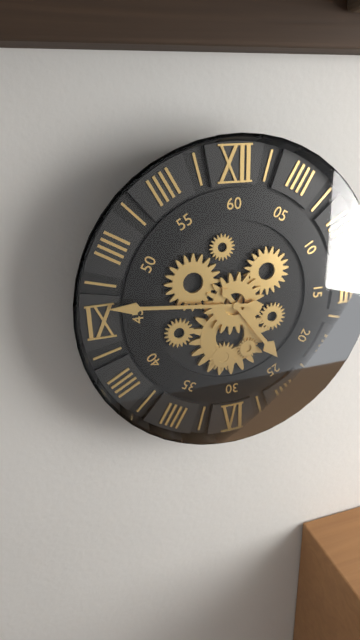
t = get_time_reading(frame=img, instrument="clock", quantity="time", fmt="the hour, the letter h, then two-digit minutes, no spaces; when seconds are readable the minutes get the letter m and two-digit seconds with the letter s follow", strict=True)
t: 4h46
